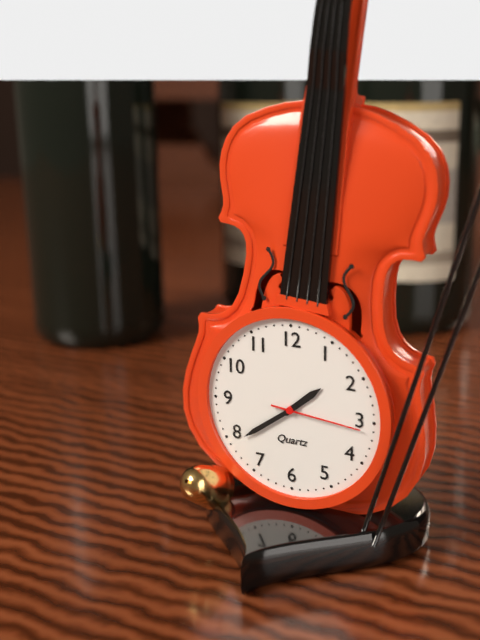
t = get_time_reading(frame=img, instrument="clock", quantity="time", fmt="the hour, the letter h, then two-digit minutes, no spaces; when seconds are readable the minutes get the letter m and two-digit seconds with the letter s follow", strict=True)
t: 1h39m16s
